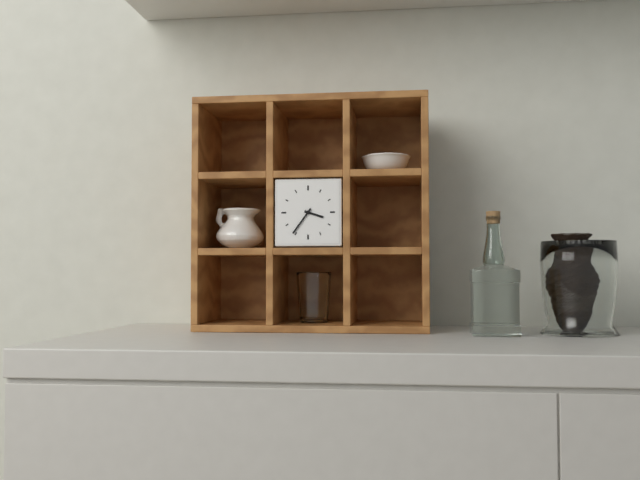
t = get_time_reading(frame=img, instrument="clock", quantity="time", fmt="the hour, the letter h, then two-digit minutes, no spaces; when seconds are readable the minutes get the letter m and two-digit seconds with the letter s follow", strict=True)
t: 3h36
